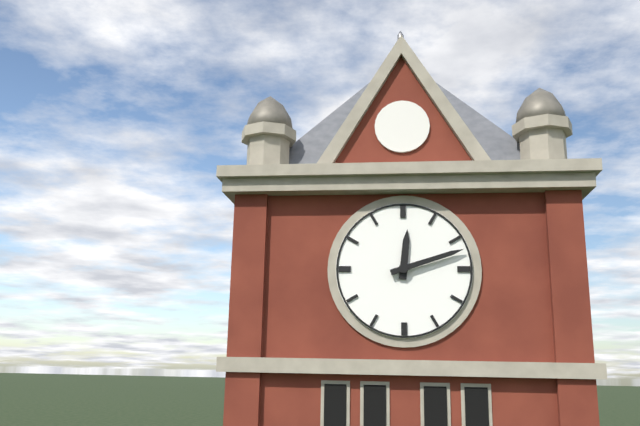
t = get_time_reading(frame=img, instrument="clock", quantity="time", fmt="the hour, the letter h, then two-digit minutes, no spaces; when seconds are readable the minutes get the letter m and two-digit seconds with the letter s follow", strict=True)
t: 12h12
